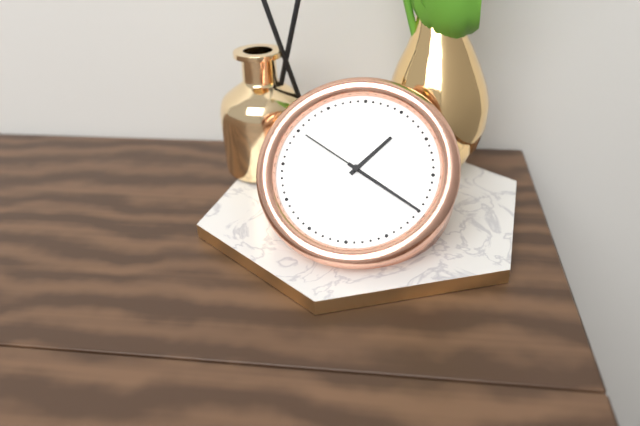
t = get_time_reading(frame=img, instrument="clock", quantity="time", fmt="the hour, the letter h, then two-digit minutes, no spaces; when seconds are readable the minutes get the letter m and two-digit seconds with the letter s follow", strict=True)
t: 1h20m50s
